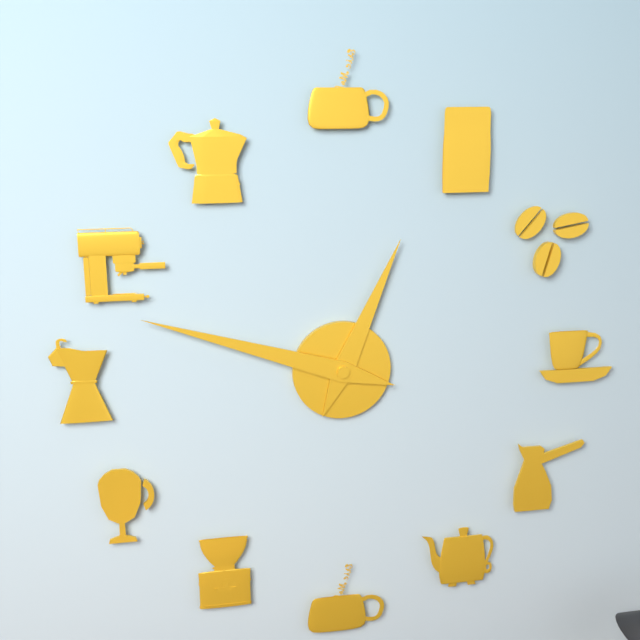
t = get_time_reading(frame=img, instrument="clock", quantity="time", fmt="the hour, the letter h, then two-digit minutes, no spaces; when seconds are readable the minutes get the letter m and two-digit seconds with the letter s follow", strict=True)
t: 12h48
